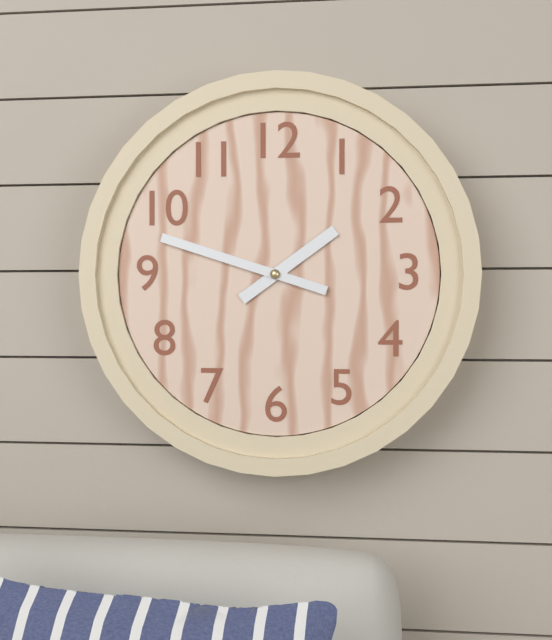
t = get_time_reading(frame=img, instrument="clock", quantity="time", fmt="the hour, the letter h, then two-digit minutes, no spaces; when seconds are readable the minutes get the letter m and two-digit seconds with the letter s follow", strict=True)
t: 1h48
